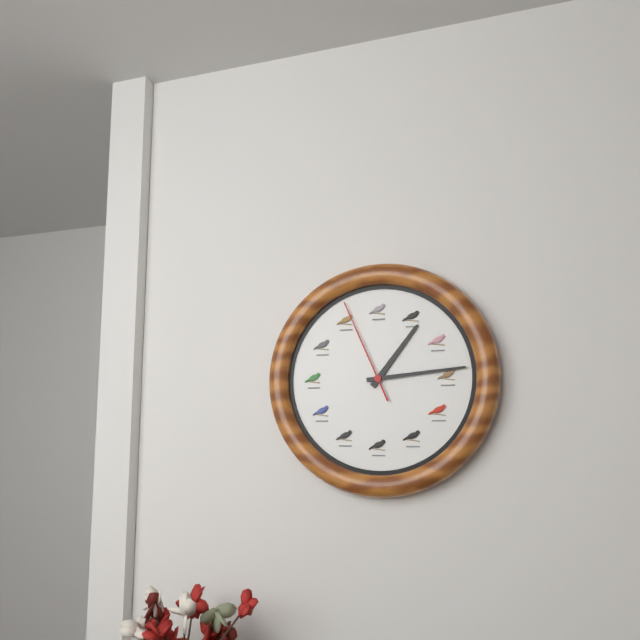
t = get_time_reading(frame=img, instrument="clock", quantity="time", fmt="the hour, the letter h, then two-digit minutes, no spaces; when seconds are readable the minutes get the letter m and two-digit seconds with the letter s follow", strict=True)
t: 1h14m56s
